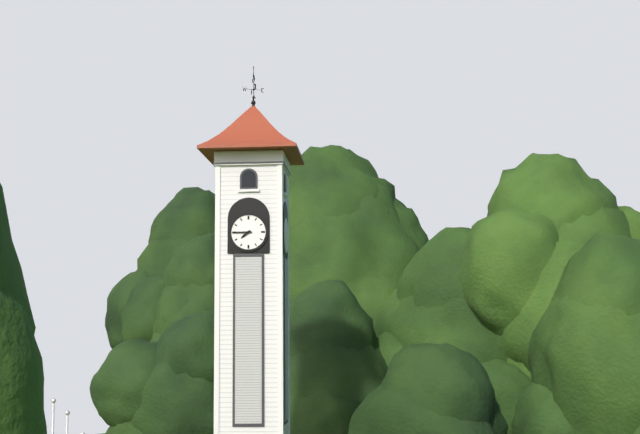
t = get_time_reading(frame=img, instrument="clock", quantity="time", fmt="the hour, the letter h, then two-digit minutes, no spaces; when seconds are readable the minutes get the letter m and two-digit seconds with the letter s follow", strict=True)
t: 7h45
